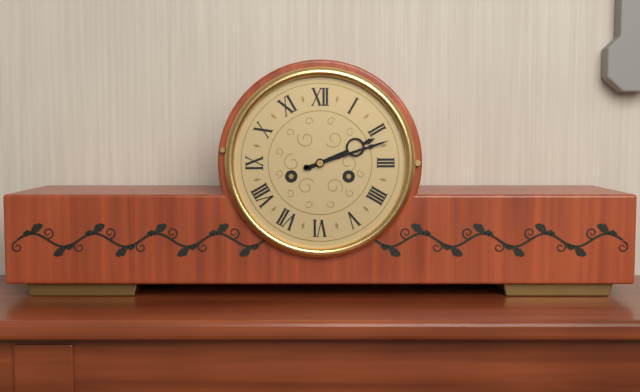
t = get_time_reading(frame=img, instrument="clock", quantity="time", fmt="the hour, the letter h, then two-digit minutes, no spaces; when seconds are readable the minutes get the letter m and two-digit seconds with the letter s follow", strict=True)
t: 2h12
